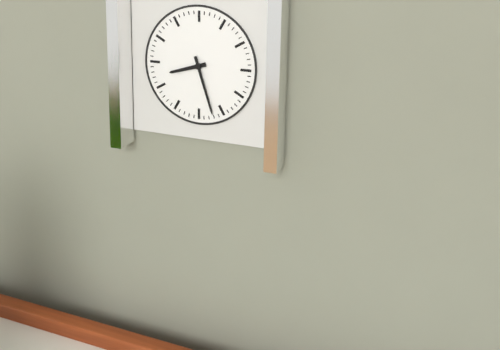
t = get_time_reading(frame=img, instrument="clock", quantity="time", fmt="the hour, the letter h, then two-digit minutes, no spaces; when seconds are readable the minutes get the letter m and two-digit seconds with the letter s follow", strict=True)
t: 8h27
